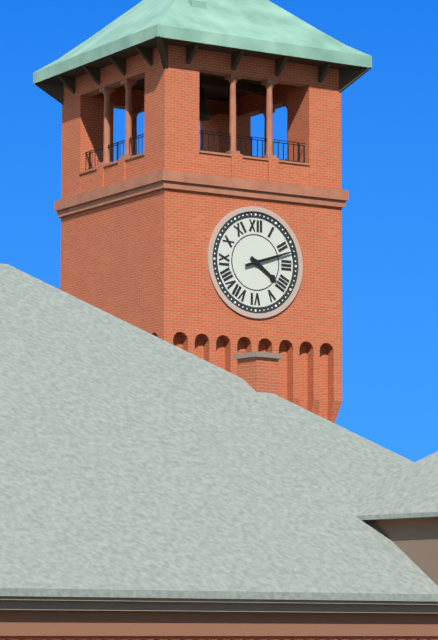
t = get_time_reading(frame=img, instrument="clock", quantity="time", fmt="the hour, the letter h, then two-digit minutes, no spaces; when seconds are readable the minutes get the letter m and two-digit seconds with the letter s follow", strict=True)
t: 4h12
